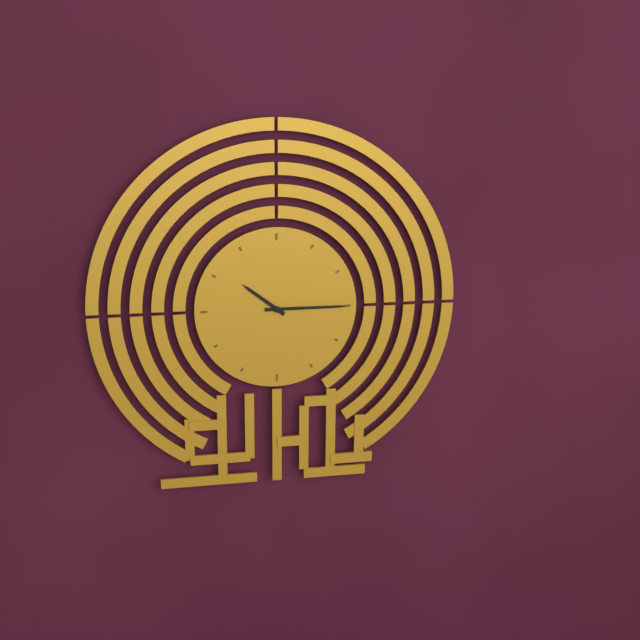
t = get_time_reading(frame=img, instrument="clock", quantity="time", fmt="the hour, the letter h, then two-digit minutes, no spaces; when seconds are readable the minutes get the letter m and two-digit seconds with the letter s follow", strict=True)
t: 10h15
